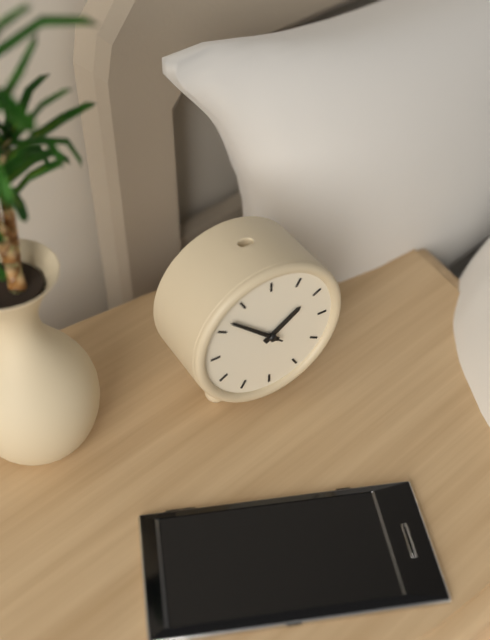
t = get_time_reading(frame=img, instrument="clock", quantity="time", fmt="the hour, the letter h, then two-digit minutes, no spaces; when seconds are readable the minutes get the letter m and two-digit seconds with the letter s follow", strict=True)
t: 1h52
